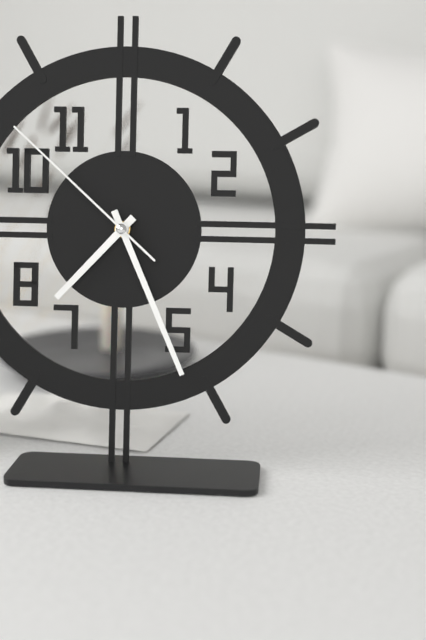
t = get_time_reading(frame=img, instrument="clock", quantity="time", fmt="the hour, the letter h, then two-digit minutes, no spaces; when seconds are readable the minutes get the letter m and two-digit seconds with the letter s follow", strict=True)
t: 7h26m52s
